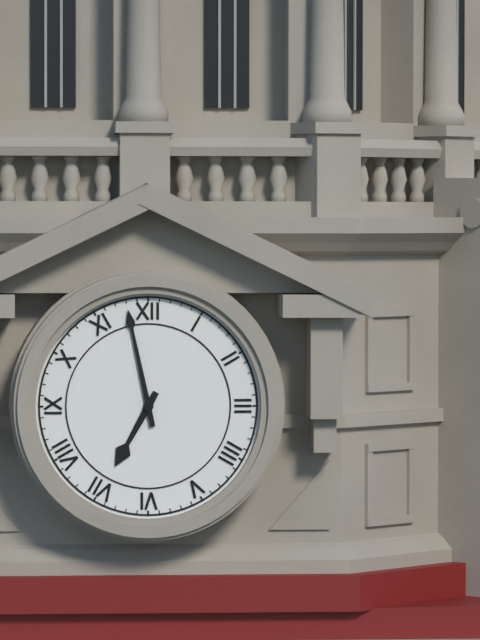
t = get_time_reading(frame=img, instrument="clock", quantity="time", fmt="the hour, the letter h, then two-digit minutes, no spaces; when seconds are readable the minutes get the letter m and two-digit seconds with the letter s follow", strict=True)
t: 6h58
